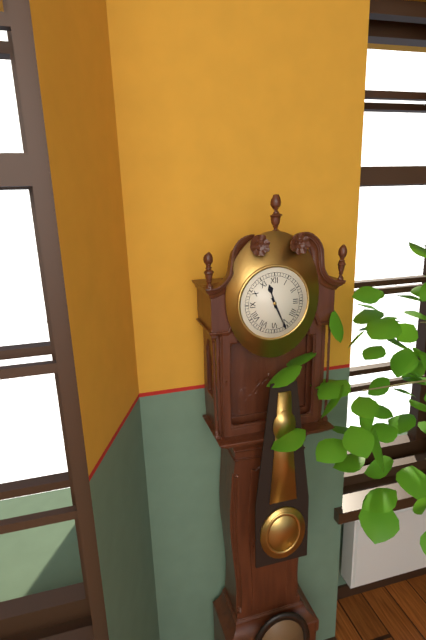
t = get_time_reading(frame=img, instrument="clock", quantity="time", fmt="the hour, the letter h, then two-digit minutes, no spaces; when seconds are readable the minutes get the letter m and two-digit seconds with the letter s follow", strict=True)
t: 11h26
